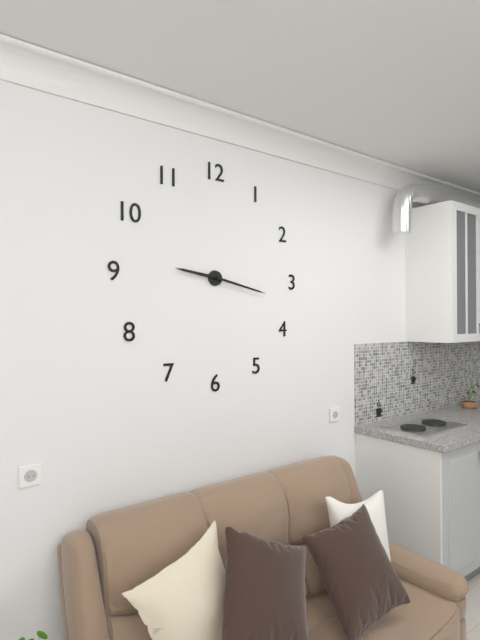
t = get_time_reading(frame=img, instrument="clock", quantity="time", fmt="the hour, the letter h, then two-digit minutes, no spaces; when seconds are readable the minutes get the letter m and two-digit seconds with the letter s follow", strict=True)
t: 9h17
